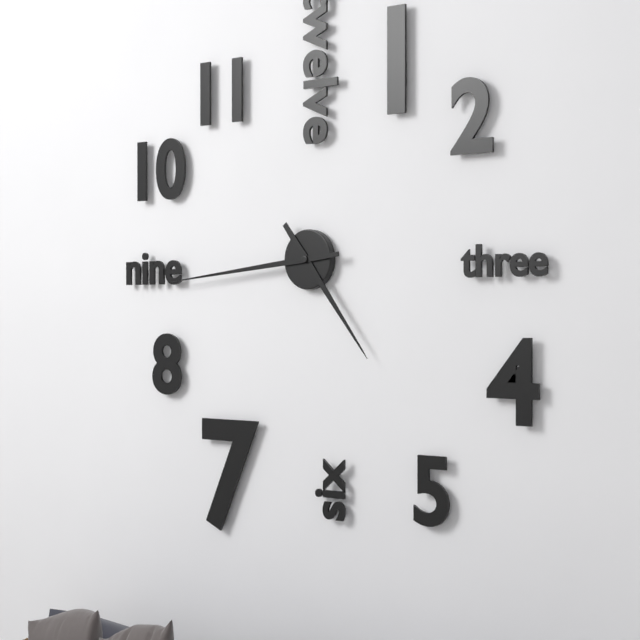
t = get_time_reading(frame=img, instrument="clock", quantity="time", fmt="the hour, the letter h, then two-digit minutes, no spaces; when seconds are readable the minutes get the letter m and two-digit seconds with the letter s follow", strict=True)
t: 4h44
